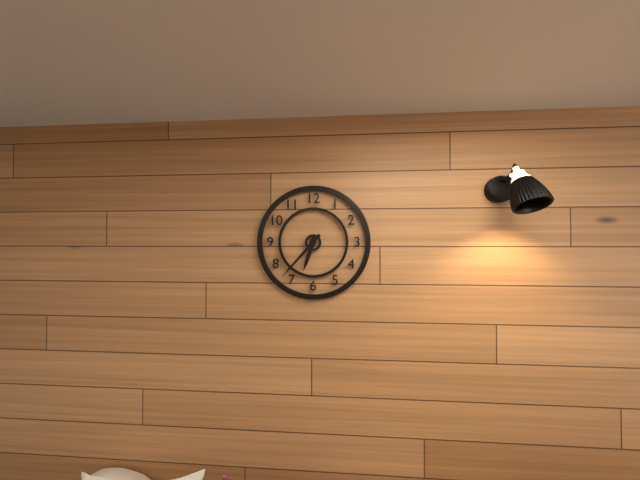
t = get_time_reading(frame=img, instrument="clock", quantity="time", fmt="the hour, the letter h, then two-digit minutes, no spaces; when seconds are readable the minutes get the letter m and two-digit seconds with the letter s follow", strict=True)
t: 6h37
